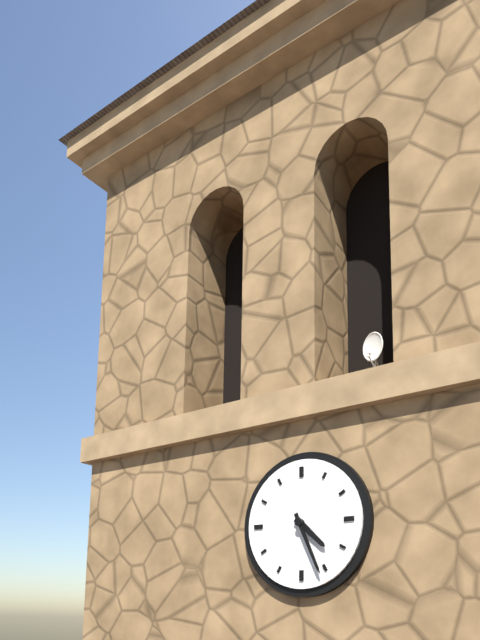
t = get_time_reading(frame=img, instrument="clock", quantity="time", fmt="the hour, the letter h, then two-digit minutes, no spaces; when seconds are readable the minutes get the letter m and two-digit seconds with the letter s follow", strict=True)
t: 4h26
